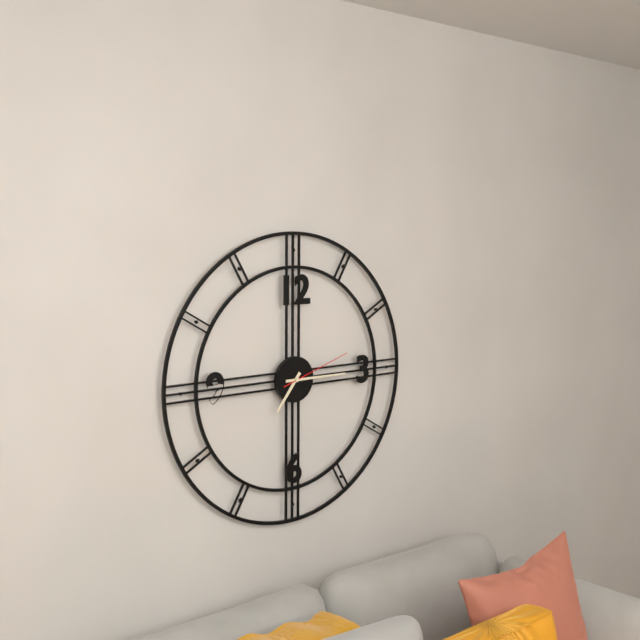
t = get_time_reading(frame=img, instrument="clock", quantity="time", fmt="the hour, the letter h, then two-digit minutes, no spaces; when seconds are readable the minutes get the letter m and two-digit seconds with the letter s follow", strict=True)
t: 7h15m12s
